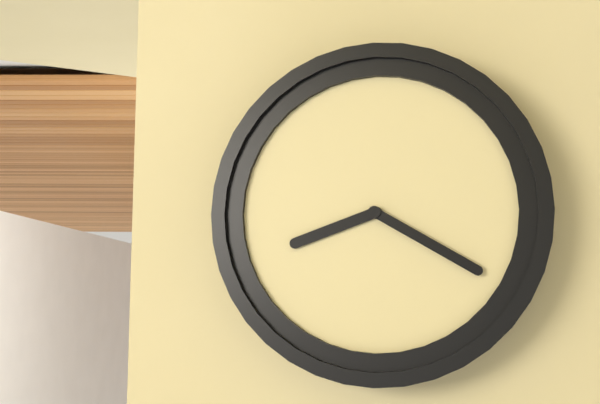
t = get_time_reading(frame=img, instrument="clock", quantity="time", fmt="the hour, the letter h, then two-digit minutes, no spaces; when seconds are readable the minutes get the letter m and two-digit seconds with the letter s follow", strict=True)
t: 8h20
